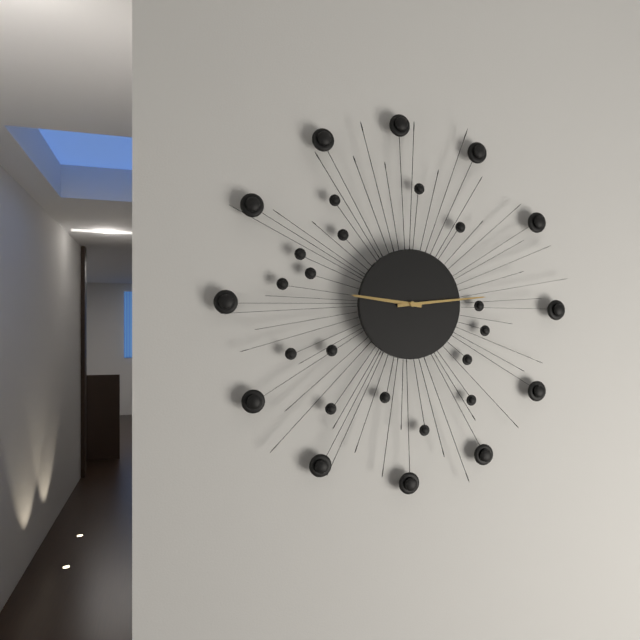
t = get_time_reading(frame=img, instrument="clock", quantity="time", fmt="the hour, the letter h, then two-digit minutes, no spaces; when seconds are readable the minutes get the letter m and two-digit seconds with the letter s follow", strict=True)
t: 9h14
